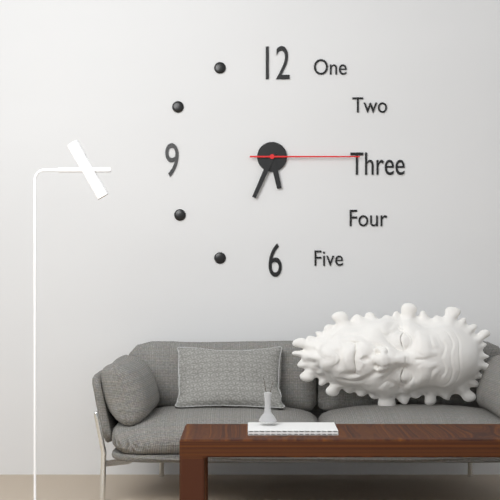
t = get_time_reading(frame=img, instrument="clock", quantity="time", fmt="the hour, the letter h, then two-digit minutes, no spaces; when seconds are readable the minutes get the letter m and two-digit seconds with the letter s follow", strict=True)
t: 5h34m15s
